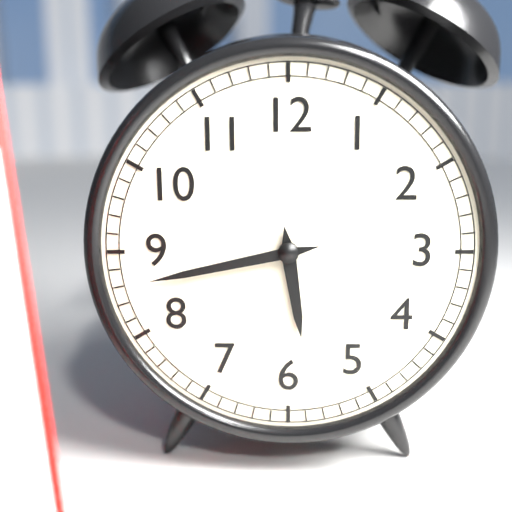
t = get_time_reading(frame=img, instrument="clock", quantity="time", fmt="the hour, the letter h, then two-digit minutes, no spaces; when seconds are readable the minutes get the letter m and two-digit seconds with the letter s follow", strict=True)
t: 5h43
